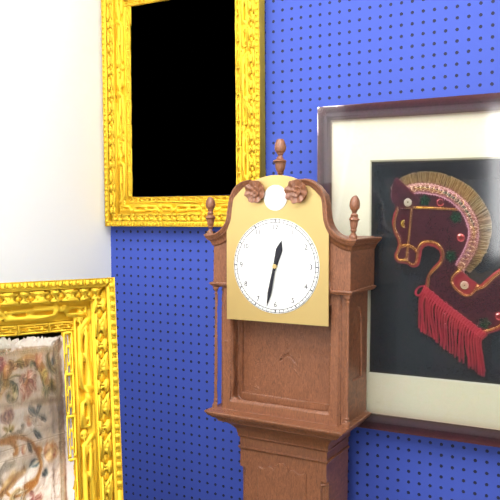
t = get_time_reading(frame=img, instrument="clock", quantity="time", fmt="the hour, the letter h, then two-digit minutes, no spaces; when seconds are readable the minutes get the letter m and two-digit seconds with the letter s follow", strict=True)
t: 12h32
